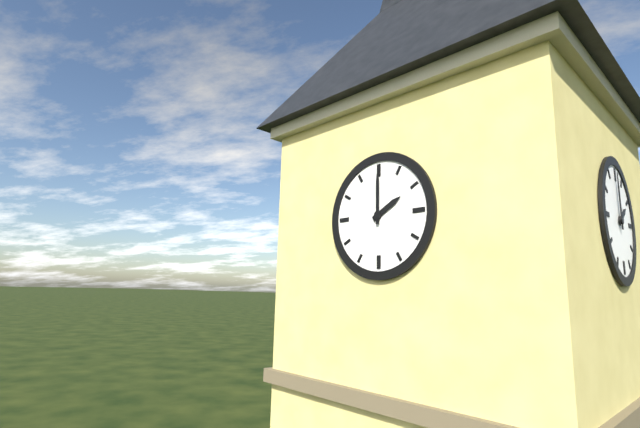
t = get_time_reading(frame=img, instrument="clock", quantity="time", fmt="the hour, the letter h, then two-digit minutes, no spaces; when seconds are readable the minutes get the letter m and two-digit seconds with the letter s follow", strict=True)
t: 2h00
